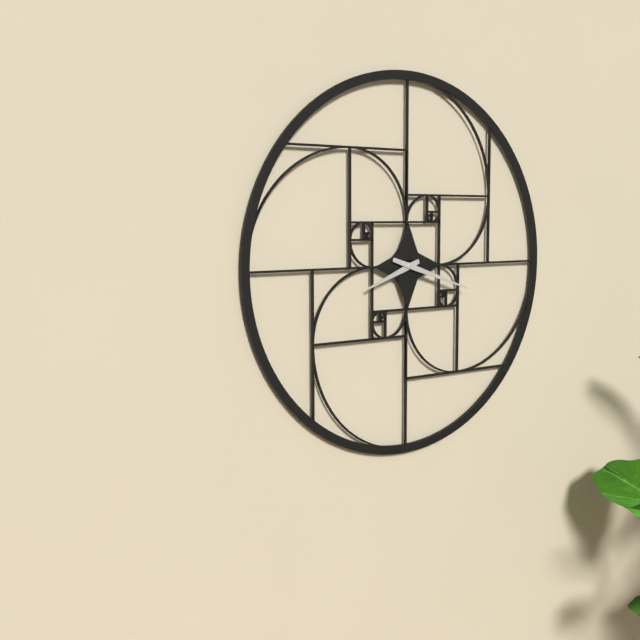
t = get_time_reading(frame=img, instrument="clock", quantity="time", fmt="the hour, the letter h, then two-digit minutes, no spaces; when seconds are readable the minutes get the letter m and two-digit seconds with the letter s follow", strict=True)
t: 8h18
